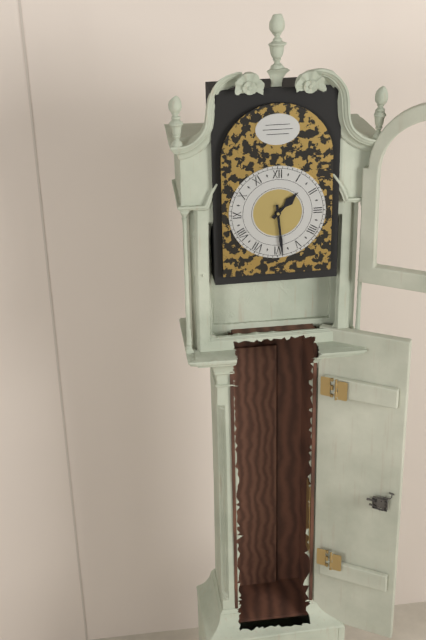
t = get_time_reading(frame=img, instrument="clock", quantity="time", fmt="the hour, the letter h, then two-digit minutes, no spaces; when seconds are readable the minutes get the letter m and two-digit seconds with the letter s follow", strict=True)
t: 1h29
